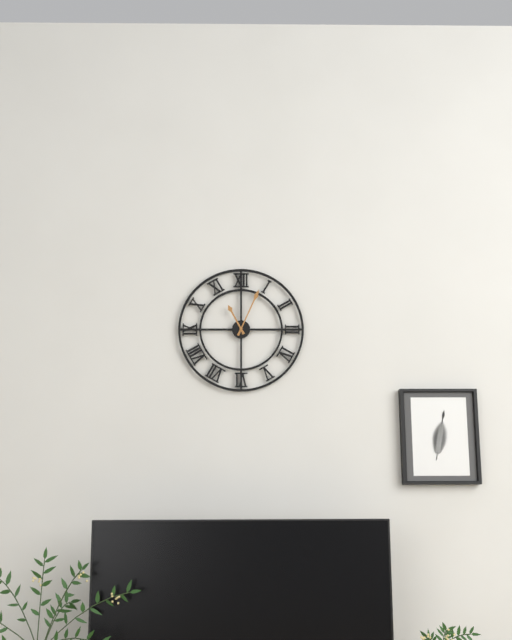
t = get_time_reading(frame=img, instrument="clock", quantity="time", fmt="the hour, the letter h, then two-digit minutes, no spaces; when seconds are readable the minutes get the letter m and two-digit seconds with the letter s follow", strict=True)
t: 11h04
